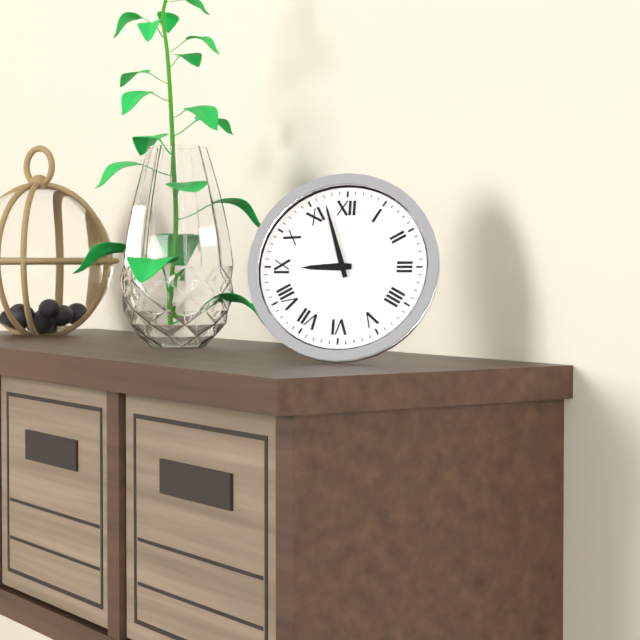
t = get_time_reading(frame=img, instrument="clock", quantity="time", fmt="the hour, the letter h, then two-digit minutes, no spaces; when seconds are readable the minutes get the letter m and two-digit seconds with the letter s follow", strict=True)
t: 8h57
